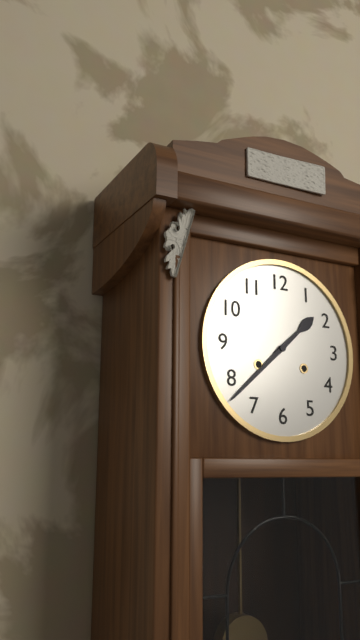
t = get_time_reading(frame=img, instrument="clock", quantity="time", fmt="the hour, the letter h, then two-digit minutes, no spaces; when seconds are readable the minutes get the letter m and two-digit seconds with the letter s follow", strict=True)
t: 1h38
